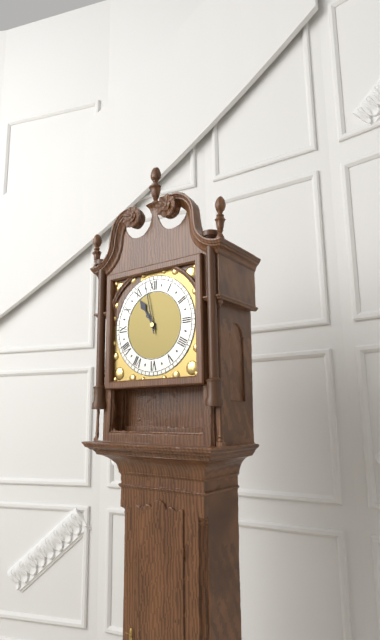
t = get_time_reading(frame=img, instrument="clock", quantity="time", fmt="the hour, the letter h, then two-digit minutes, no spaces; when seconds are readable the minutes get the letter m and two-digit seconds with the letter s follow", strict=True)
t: 10h58
